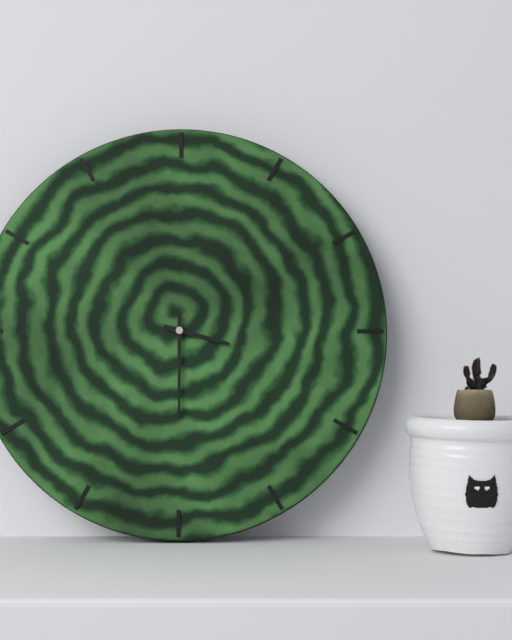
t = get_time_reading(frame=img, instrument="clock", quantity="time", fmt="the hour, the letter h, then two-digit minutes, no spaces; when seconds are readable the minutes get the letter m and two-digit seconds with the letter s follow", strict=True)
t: 3h30
